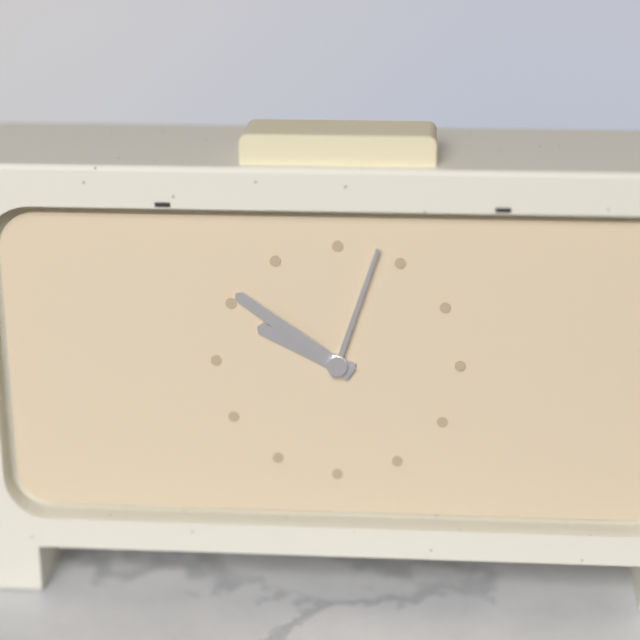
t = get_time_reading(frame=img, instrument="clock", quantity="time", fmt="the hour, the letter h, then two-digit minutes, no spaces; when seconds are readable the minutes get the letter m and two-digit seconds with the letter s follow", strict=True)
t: 9h51m03s
